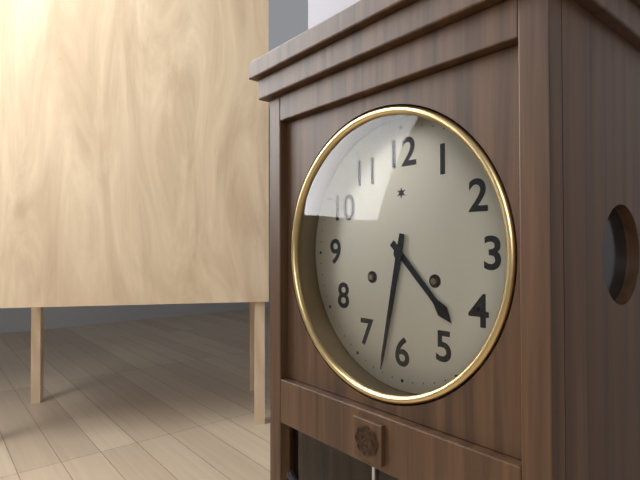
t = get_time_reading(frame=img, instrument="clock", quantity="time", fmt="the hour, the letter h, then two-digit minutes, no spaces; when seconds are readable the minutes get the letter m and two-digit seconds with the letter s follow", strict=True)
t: 4h32
